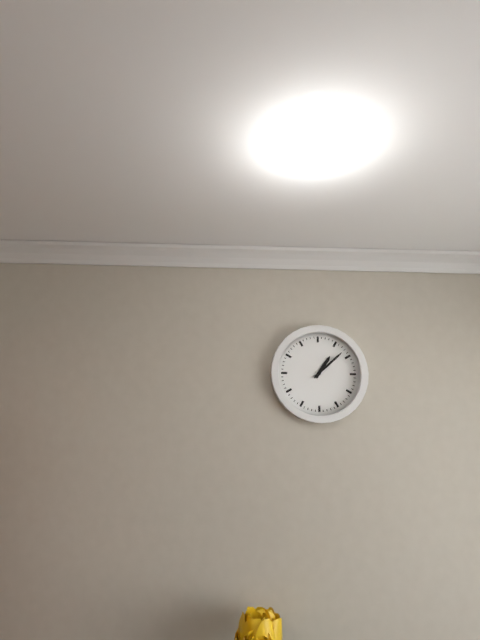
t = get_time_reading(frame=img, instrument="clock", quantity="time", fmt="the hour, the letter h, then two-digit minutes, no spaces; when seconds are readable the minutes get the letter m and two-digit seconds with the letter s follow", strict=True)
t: 1h08
